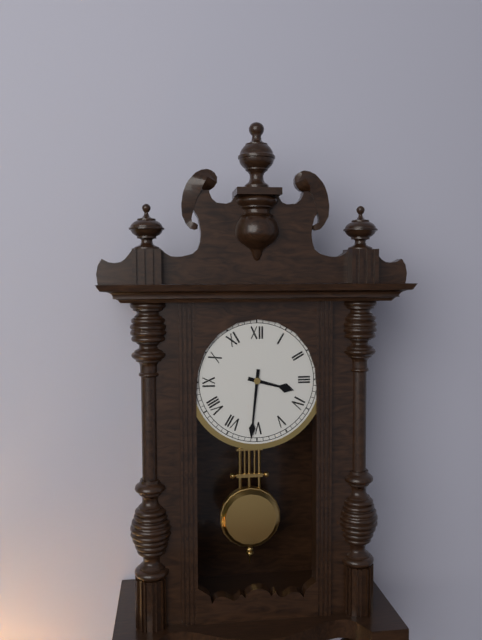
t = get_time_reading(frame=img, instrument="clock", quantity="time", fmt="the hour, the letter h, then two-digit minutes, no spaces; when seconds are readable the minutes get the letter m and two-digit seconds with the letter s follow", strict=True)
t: 3h31
